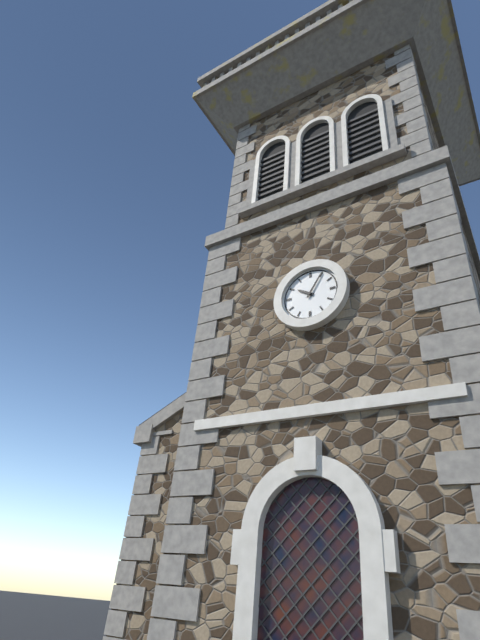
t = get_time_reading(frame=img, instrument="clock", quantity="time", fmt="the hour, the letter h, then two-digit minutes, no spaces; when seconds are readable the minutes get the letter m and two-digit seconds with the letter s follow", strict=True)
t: 10h05
